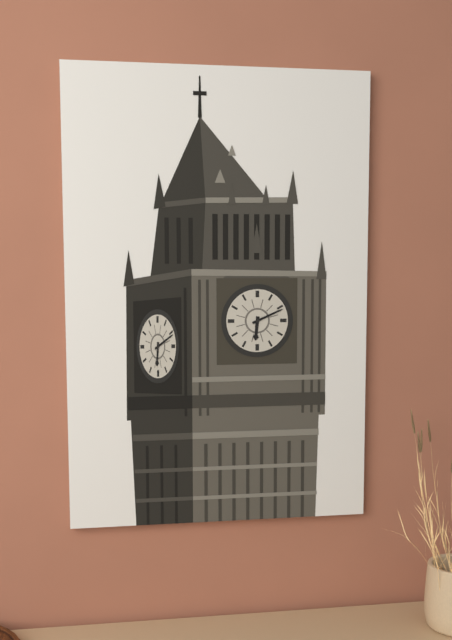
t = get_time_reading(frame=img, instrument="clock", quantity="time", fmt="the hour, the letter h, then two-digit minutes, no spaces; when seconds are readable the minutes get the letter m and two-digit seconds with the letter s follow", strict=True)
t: 6h11
